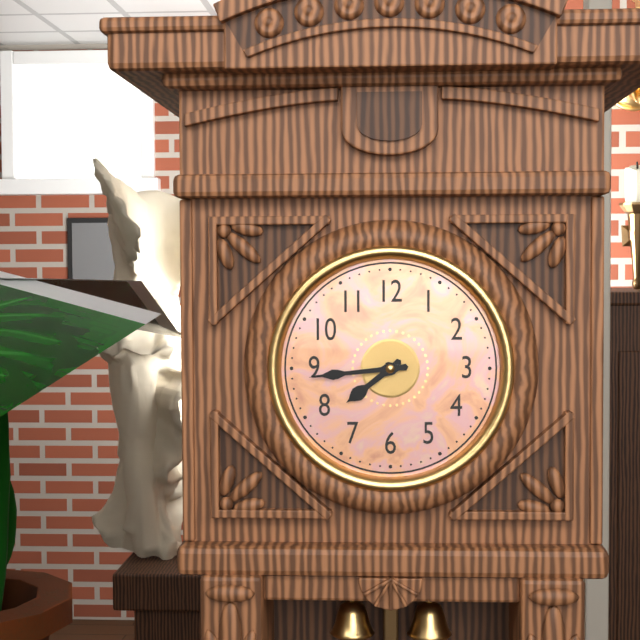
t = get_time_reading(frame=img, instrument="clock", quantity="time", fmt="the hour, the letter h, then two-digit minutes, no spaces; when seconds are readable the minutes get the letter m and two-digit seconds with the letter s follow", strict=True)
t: 7h44
